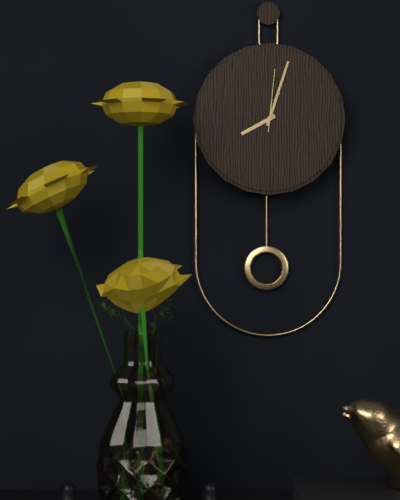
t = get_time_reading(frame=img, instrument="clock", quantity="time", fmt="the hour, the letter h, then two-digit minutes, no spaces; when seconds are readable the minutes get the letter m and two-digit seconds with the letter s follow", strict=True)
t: 8h03m01s
